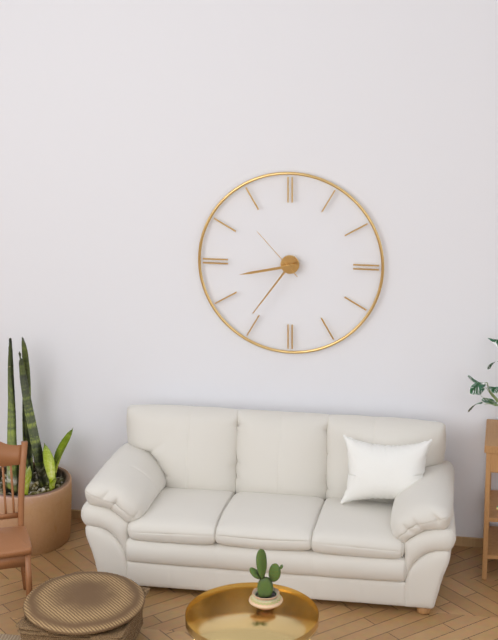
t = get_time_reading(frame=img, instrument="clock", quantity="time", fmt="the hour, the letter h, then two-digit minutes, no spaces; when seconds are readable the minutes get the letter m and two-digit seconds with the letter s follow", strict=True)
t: 8h36m53s
